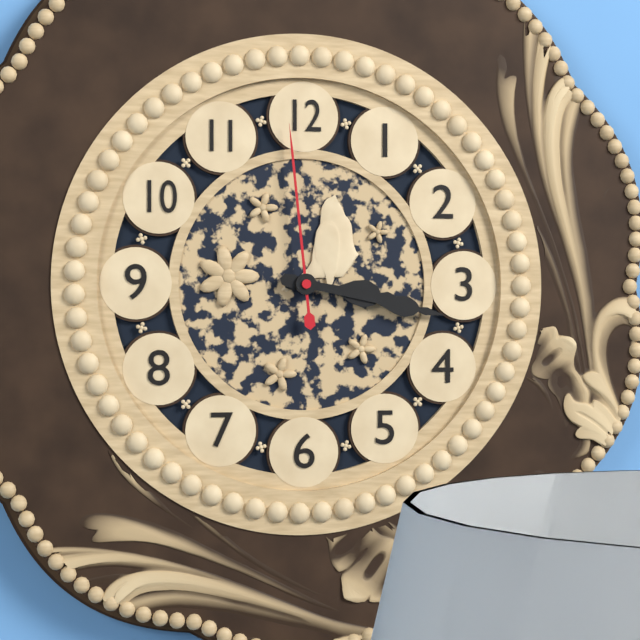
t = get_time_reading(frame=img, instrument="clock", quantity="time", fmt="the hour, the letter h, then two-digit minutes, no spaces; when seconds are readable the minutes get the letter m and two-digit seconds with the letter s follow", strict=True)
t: 3h17m59s
